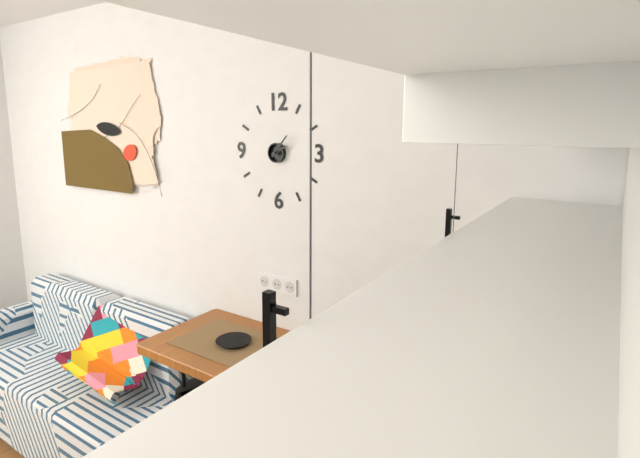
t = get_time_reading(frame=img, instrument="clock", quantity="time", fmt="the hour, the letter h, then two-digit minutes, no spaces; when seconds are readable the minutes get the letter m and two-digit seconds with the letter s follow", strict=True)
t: 2h07
